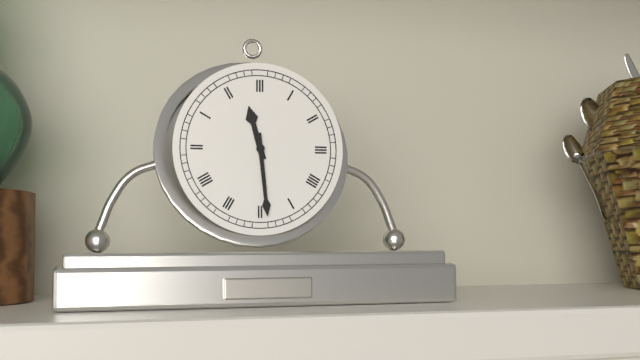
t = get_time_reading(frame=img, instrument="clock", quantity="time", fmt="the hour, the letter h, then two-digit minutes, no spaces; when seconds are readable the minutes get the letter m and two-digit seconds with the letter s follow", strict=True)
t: 11h29
